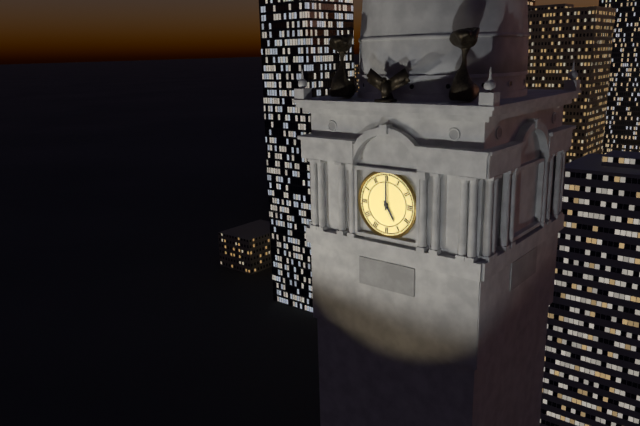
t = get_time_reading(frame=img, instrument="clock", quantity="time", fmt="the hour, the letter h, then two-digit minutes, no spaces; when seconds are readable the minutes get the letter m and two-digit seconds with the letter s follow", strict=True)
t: 5h00
